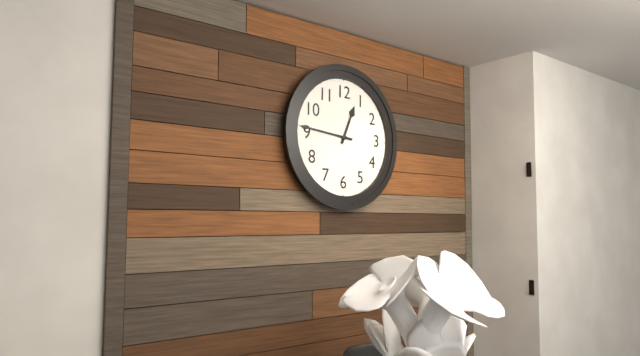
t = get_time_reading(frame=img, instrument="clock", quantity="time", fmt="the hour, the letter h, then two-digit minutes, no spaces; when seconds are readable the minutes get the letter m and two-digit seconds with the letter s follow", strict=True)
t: 12h46
